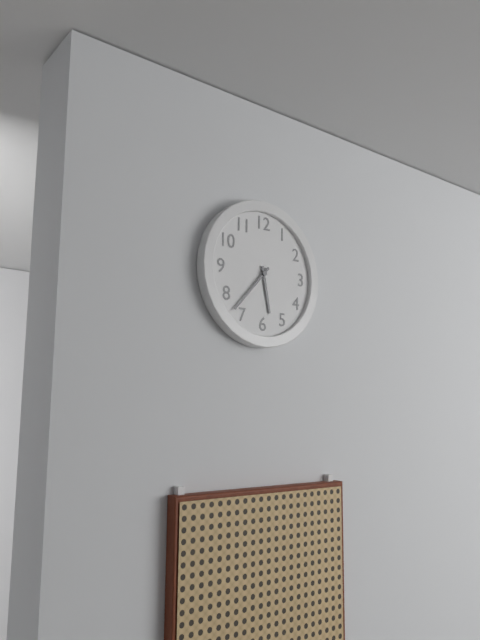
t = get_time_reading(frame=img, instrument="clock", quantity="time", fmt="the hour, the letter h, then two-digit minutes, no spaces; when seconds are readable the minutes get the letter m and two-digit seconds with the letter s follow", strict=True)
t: 5h37
